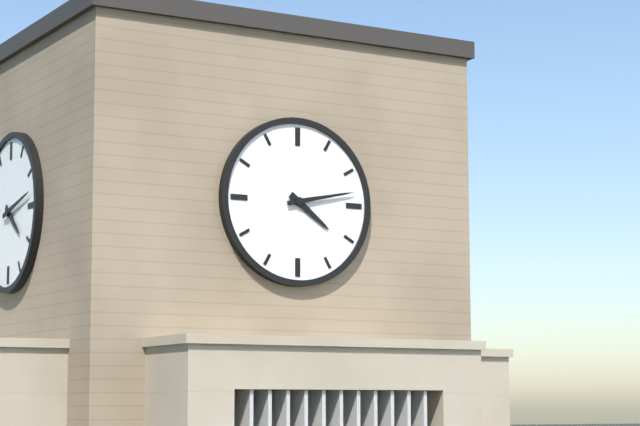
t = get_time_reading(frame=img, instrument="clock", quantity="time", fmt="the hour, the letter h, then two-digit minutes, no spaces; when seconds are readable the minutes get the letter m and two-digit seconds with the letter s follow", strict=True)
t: 4h13
